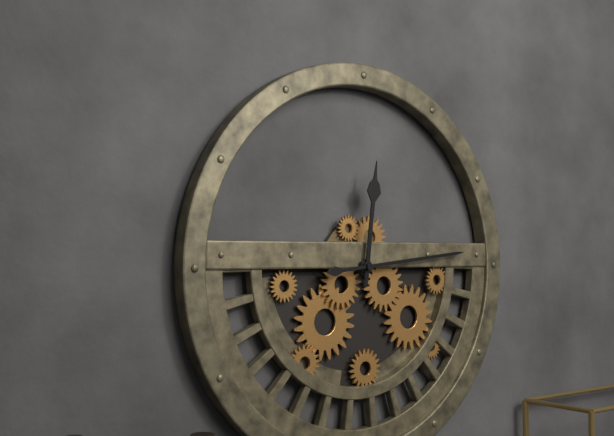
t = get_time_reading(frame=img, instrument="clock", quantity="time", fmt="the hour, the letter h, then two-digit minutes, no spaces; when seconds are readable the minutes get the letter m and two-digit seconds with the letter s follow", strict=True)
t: 12h14
